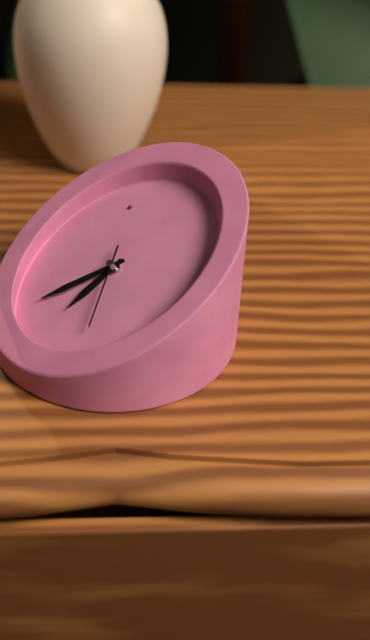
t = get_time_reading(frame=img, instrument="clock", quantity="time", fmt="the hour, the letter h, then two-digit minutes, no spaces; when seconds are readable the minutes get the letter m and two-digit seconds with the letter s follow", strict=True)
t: 8h48m38s
